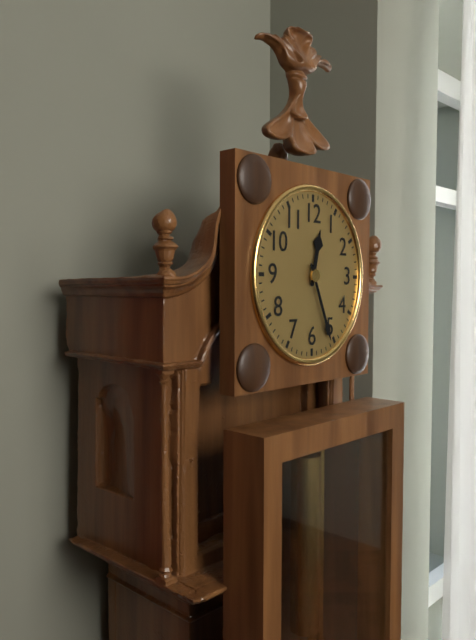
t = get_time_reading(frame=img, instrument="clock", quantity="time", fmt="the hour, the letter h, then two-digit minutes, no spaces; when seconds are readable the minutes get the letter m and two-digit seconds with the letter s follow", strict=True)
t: 12h26
